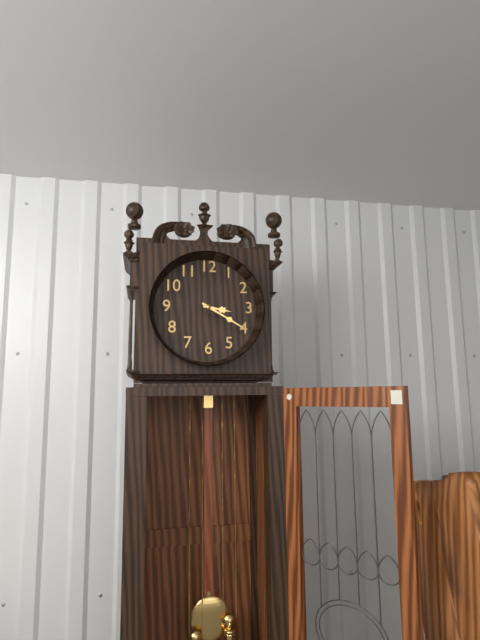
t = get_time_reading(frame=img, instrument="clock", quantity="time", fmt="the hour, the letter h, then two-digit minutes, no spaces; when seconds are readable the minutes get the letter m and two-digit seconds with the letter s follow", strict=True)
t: 3h20
